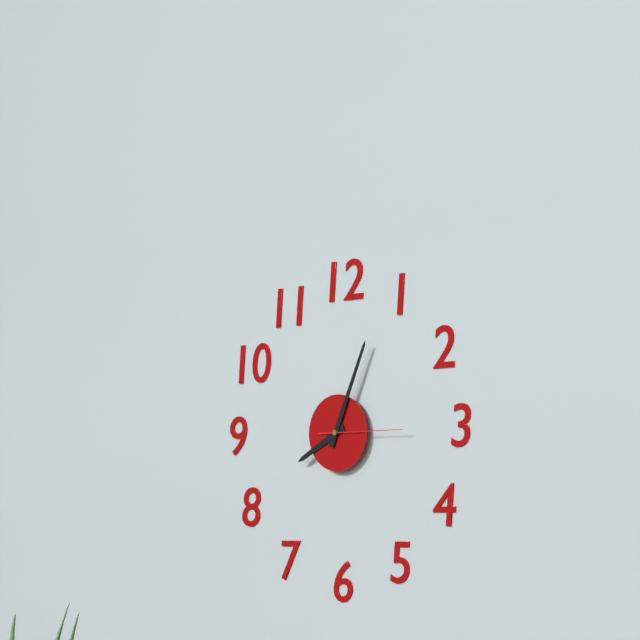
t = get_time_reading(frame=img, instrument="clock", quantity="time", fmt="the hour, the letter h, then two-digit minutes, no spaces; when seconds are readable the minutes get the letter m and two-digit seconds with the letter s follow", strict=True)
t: 8h04m15s
